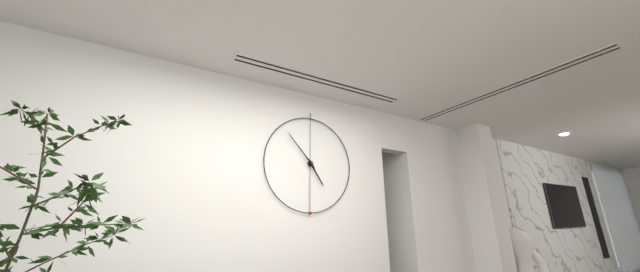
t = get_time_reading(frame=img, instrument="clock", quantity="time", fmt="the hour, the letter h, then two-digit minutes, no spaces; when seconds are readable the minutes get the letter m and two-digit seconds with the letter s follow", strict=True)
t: 4h53
